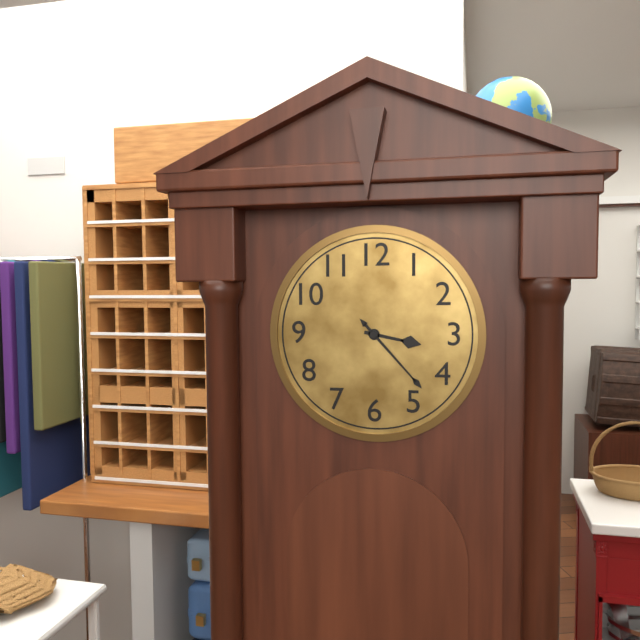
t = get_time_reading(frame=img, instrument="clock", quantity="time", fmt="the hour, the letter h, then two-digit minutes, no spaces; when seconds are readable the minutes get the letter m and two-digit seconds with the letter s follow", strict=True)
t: 3h23
